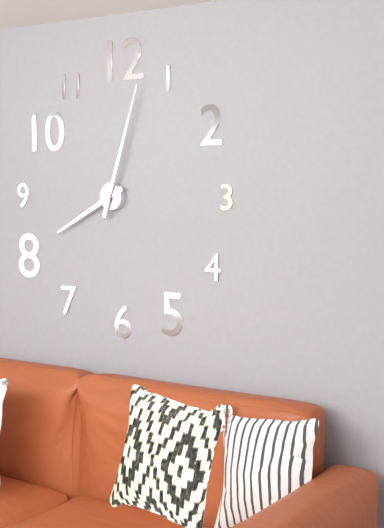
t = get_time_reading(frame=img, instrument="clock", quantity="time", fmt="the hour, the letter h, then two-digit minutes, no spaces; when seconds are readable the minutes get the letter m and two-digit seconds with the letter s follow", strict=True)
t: 8h03
